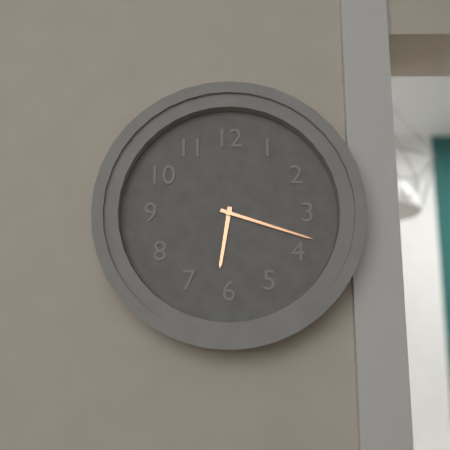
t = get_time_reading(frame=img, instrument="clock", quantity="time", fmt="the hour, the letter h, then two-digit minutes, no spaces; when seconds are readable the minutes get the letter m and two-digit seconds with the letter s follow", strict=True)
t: 6h18
